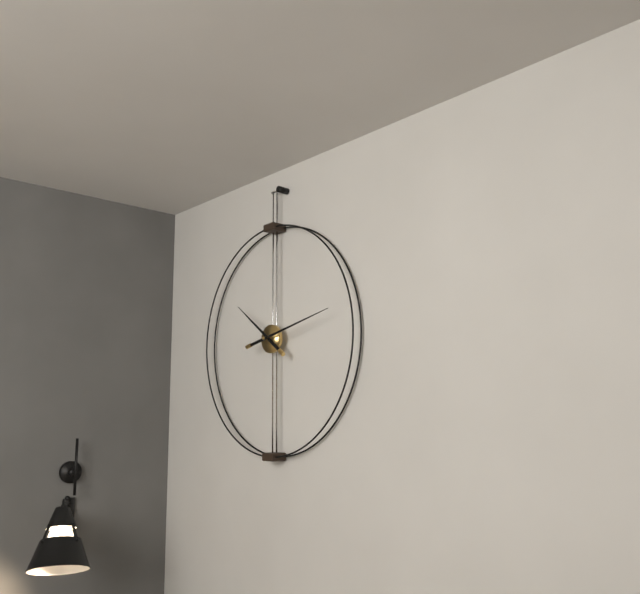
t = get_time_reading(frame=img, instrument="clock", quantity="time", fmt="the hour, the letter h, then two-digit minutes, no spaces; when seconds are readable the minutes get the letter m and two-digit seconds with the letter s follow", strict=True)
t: 10h13
